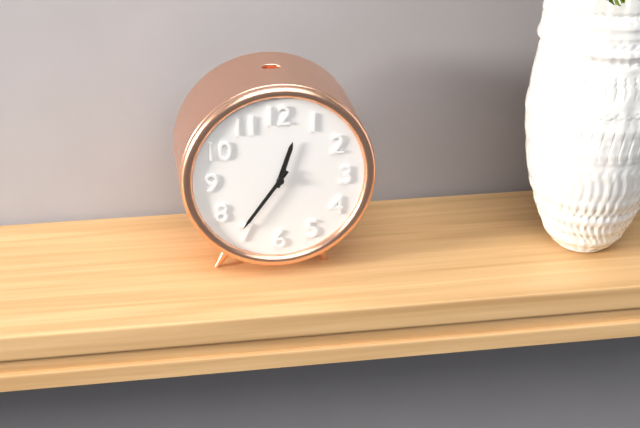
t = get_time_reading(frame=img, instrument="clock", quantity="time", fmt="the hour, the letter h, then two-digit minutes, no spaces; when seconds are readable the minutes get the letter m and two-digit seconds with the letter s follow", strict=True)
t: 12h36
